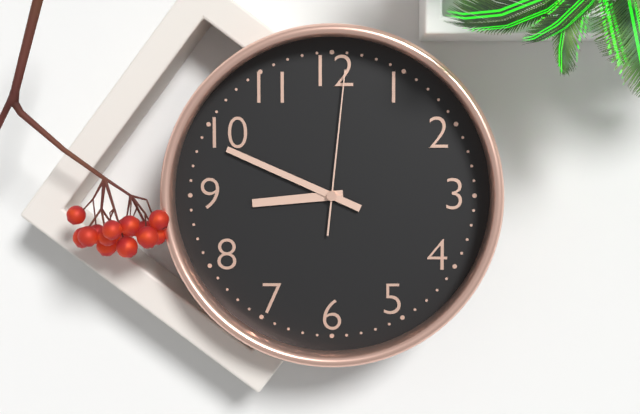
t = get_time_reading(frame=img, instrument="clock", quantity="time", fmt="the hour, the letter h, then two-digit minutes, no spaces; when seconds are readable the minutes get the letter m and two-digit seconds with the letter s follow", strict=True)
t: 8h49m01s
